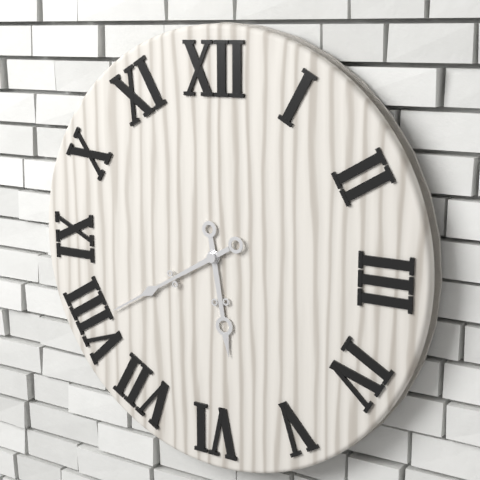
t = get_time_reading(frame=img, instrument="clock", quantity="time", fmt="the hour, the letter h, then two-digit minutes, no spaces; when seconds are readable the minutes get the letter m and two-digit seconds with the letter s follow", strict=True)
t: 5h40
